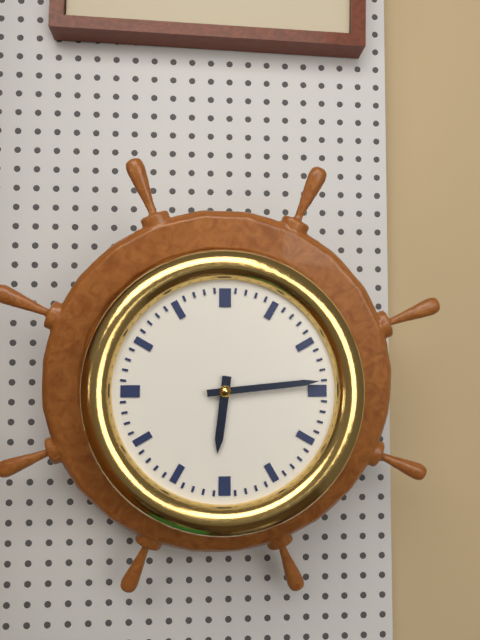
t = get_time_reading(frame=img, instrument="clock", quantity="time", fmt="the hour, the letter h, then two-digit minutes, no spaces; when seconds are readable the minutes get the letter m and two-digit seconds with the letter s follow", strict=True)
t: 6h14
